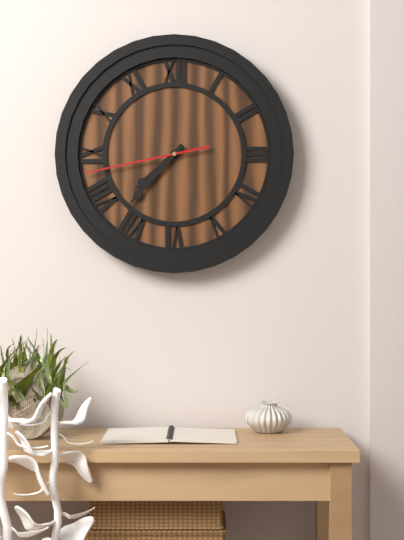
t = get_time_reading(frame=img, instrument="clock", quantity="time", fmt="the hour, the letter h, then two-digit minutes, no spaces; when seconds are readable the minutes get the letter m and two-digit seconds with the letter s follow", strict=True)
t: 7h37m43s
